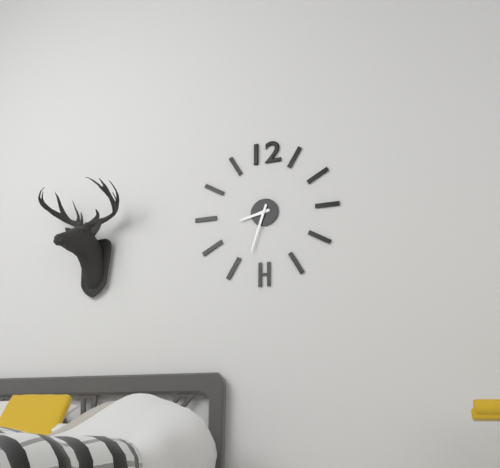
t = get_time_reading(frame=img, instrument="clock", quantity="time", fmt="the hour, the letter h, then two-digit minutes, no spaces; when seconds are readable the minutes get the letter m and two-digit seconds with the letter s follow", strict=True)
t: 8h33
